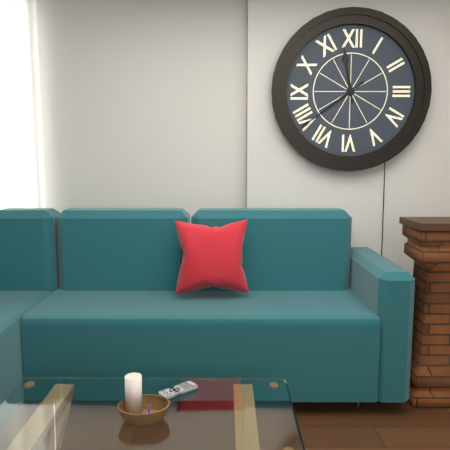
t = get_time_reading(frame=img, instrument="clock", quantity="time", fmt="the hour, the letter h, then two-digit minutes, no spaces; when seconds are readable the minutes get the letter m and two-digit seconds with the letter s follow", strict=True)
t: 11h39
